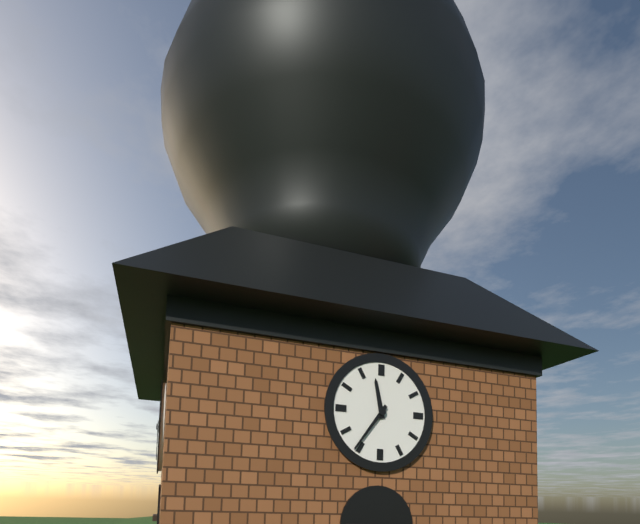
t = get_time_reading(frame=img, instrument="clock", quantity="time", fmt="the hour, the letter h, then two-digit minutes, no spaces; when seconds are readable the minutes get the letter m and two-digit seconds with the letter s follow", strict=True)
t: 11h36
